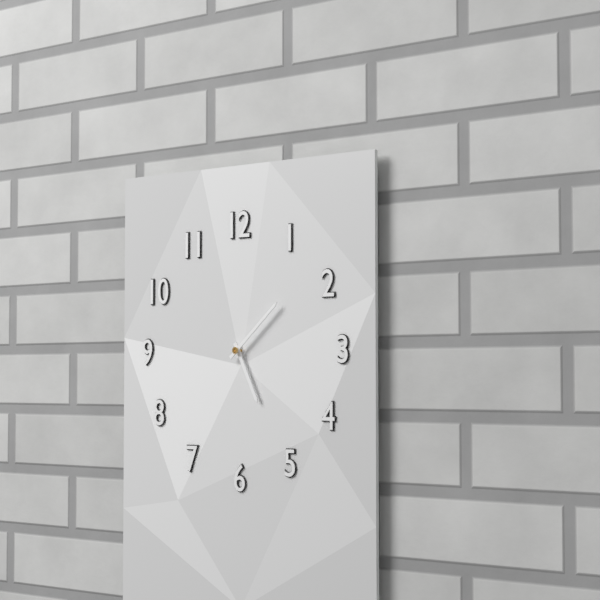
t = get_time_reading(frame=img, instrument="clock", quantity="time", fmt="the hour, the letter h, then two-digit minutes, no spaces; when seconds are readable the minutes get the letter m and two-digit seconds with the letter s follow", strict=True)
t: 5h08
